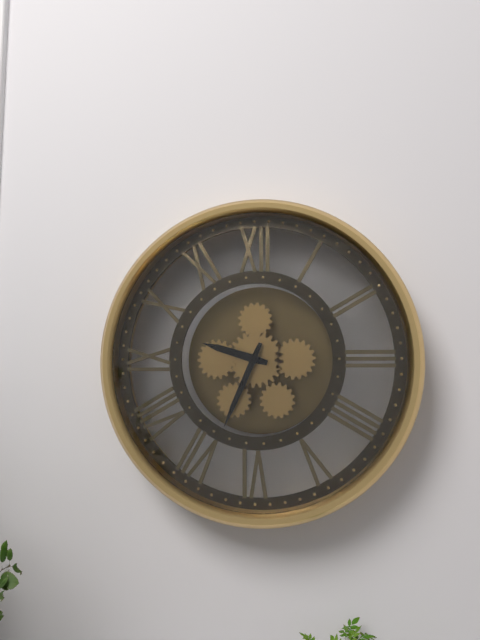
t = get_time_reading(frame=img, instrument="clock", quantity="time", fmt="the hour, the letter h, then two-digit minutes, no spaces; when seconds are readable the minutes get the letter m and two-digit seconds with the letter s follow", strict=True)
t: 9h34
